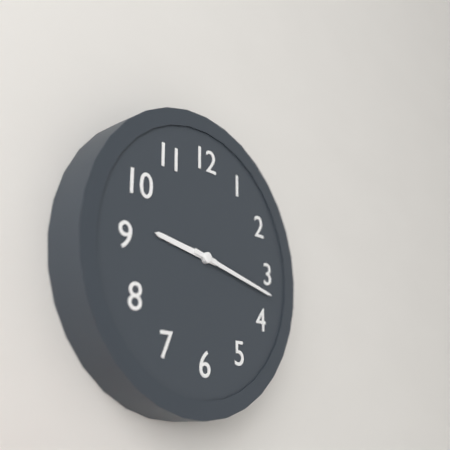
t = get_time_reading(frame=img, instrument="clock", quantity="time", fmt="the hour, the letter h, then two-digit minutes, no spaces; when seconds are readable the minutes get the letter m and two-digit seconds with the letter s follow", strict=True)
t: 9h17
